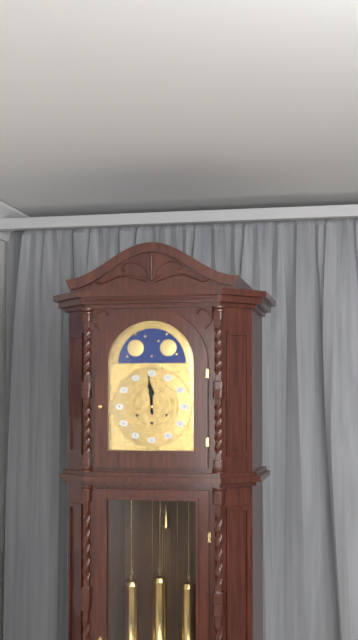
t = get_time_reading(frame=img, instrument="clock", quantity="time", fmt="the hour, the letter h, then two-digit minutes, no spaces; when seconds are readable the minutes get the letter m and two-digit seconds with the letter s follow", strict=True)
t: 11h59
